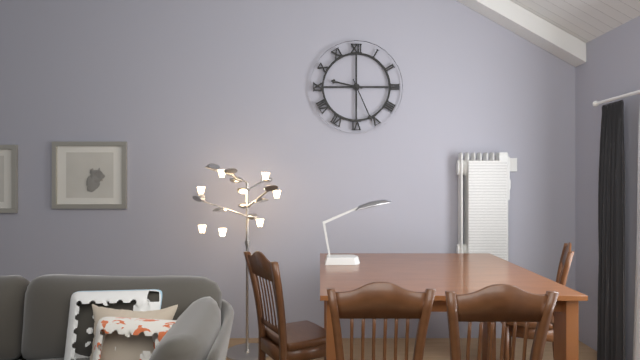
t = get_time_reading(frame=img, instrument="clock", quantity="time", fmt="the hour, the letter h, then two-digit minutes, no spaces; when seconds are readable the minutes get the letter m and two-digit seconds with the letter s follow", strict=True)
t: 9h26
